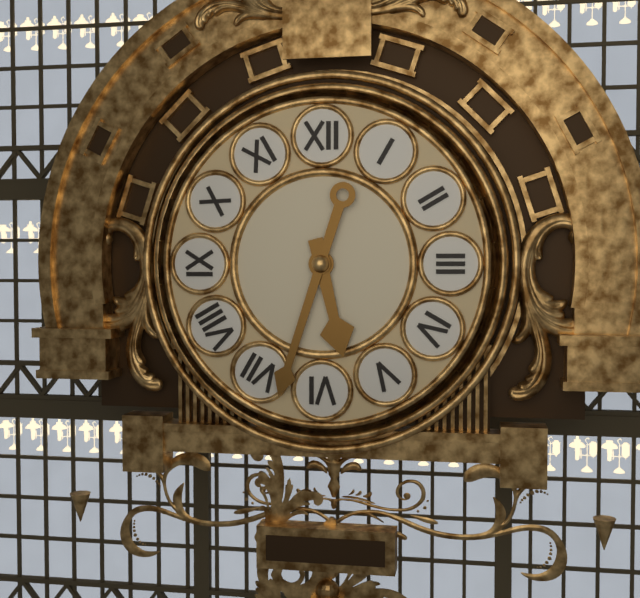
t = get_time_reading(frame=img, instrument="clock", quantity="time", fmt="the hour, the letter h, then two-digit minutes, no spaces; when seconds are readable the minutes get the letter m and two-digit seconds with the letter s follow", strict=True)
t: 5h33
